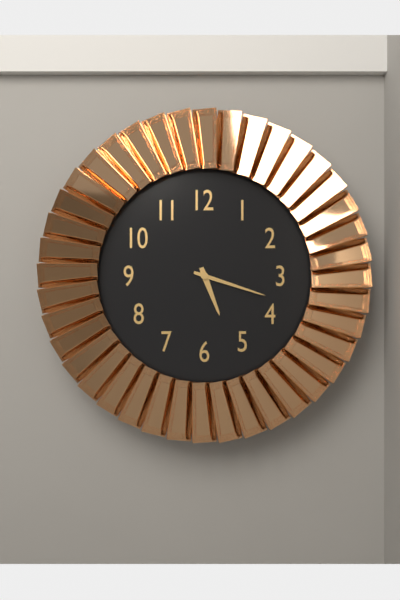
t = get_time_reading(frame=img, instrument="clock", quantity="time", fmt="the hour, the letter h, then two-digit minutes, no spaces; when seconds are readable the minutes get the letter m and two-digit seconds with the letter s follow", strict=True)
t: 5h18
